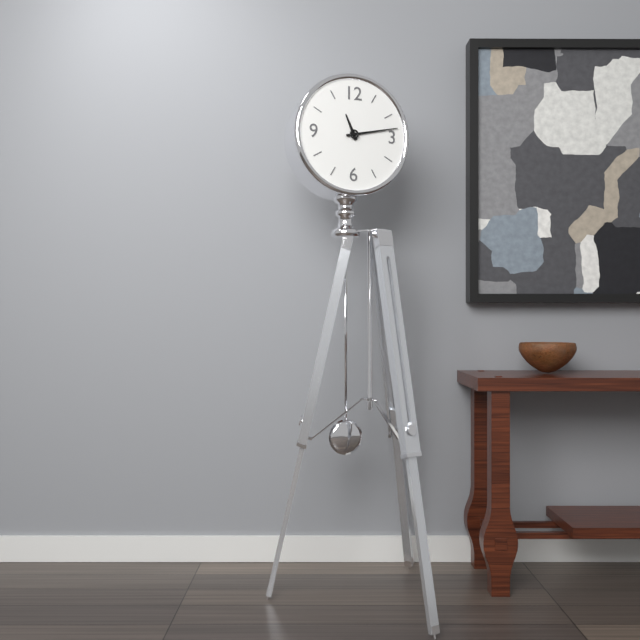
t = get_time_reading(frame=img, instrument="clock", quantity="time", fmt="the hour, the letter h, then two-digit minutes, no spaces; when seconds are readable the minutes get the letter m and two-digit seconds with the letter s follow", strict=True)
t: 11h13
